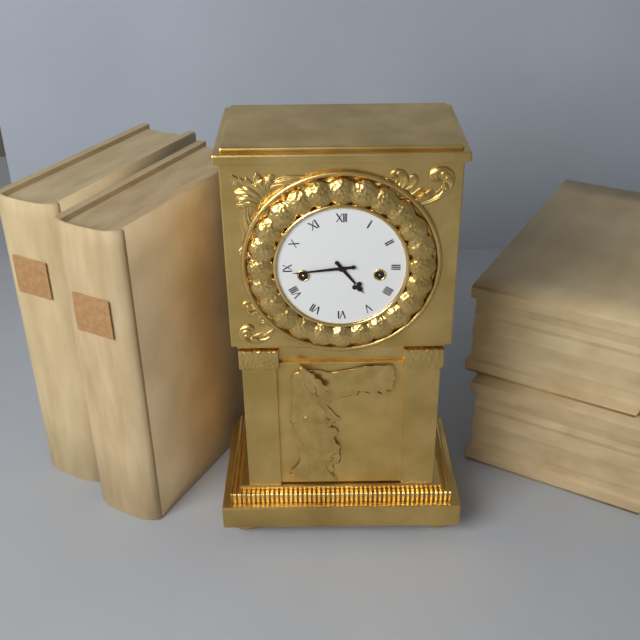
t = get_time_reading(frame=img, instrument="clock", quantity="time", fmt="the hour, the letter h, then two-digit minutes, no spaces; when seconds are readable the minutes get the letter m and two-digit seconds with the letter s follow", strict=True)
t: 4h44
